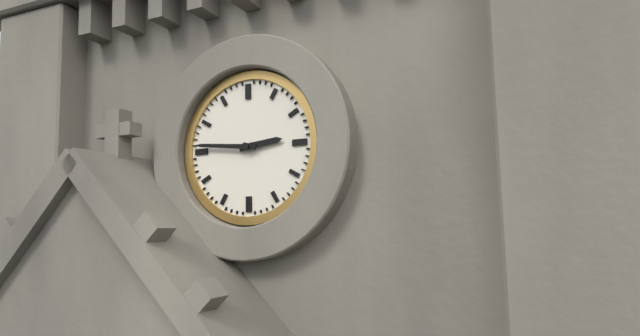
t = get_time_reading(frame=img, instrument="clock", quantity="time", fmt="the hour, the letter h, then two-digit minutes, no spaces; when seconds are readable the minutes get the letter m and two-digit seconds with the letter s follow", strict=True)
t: 2h46
